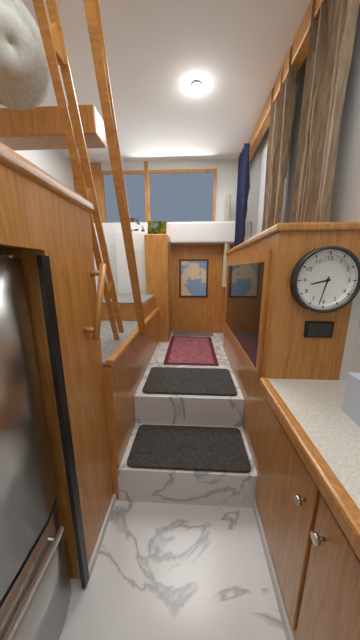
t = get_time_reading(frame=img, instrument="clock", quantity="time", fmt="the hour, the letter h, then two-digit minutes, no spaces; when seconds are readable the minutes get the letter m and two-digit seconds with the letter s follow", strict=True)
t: 8h32
